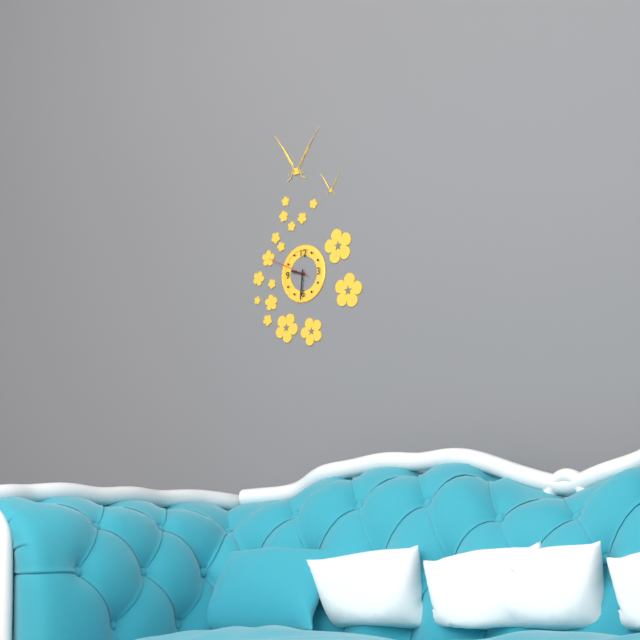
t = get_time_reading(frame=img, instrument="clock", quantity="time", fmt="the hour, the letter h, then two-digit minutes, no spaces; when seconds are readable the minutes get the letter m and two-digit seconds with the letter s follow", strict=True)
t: 9h31
